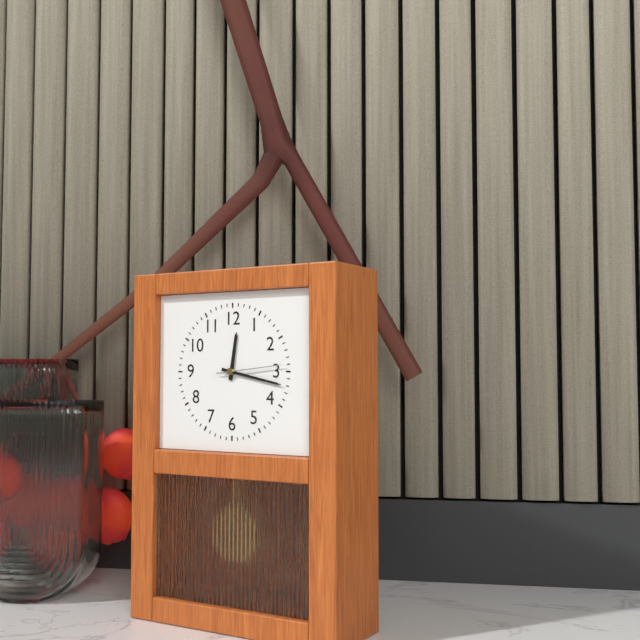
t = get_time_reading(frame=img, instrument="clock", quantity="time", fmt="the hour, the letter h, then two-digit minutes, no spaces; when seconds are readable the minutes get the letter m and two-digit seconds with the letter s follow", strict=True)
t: 12h17m14s
